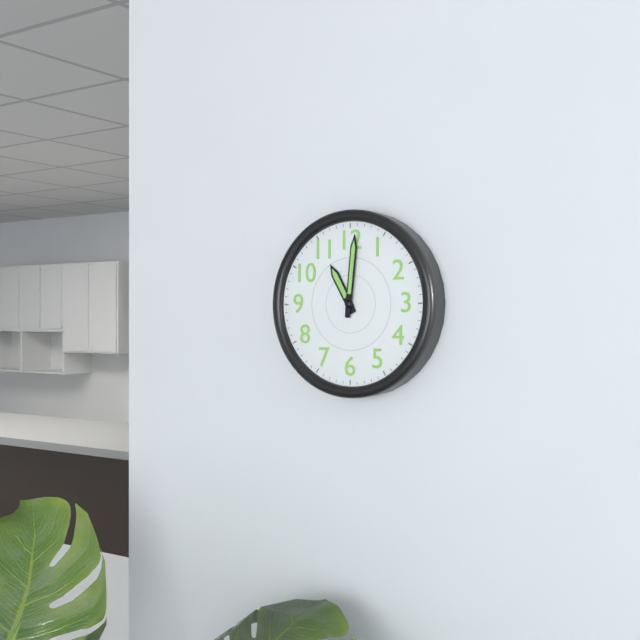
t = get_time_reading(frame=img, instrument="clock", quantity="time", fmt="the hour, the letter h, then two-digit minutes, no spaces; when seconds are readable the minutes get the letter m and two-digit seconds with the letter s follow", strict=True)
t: 11h01
